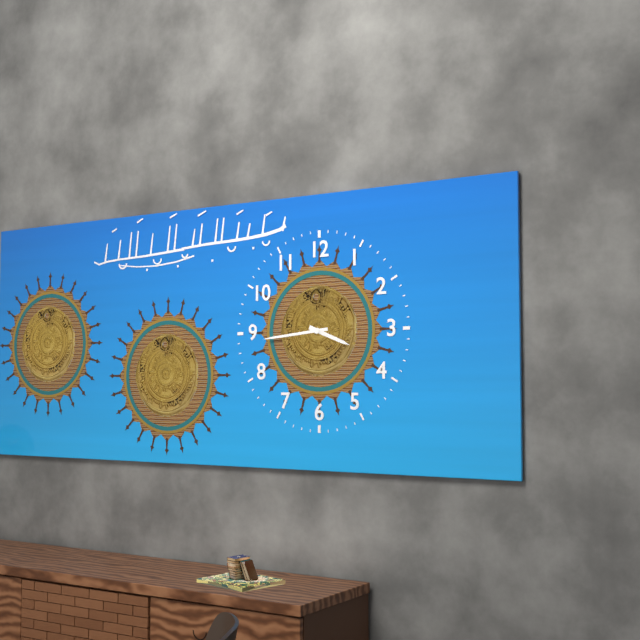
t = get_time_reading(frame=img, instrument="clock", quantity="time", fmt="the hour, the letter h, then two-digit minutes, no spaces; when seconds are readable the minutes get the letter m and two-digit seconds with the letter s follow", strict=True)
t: 3h44
